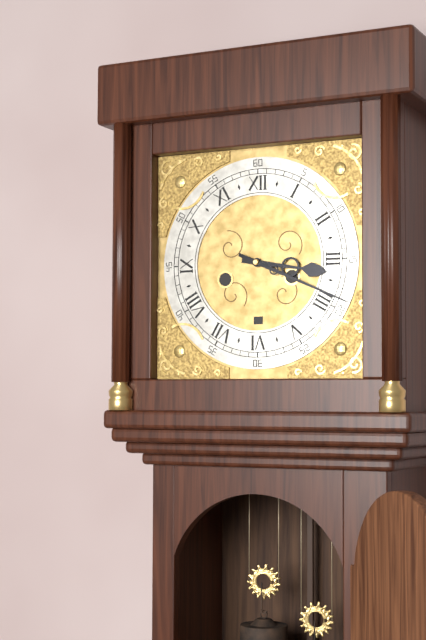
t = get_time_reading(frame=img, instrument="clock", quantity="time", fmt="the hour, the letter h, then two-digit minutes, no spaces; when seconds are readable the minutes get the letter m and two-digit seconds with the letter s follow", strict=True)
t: 3h19
